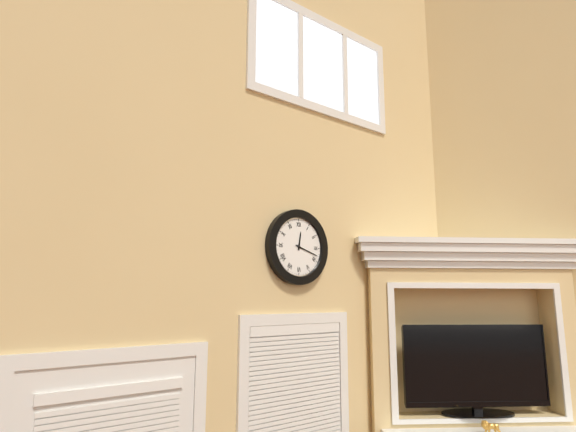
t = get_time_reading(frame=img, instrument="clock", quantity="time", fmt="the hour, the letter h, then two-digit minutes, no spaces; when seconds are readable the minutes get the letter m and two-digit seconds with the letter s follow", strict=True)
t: 12h18
